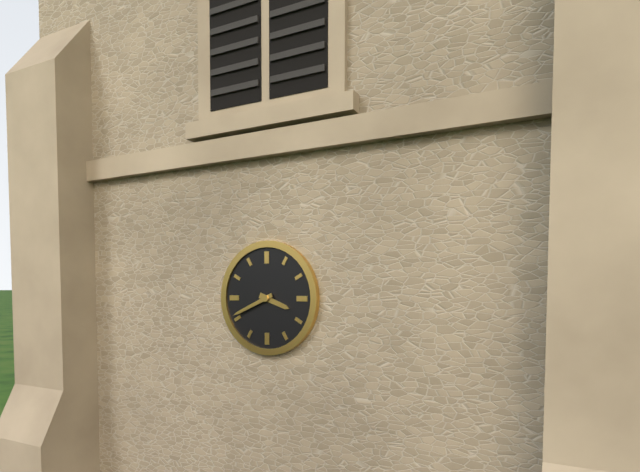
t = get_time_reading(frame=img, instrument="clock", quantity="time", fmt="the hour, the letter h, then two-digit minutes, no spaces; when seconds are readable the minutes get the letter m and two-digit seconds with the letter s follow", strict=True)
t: 3h41
